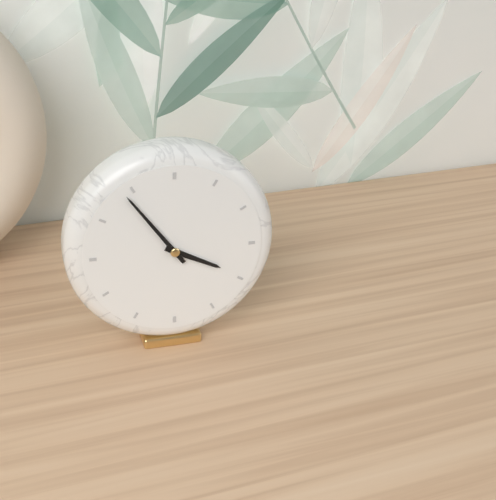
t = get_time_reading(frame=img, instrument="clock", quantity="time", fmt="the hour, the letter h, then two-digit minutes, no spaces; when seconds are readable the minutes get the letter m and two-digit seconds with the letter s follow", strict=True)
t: 3h54
